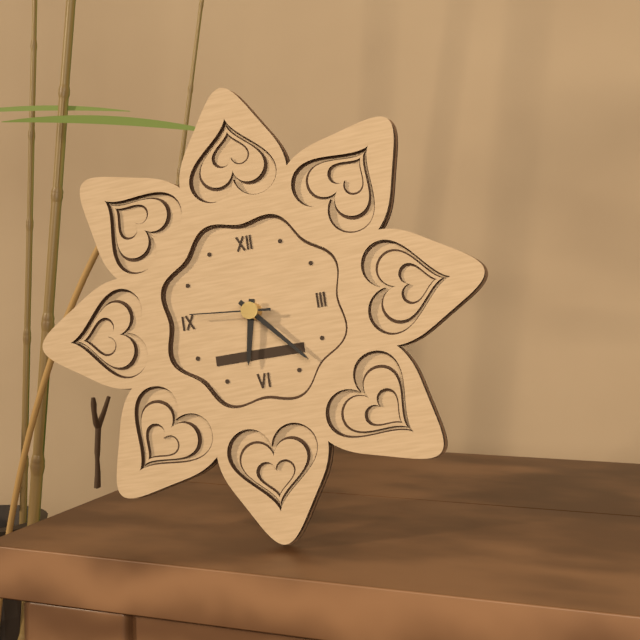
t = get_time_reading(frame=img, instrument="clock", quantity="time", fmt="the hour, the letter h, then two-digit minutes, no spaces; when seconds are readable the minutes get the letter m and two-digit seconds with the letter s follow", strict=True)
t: 6h23m46s
